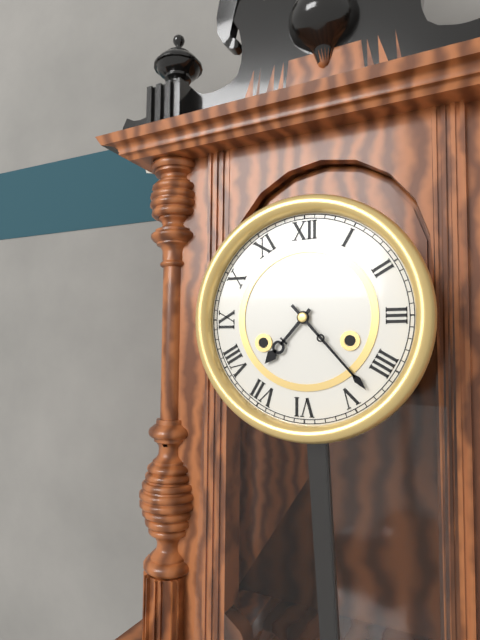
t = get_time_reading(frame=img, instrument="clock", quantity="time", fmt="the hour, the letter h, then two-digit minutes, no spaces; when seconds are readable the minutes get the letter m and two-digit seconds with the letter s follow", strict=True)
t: 7h23
